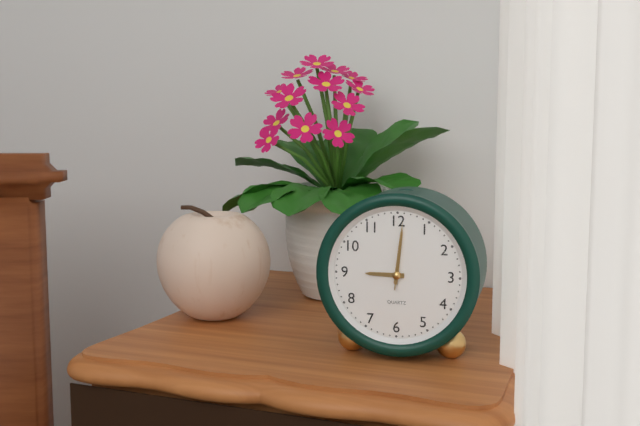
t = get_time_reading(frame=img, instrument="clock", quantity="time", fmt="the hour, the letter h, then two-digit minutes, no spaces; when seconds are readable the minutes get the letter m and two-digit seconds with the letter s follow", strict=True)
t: 9h01m01s
